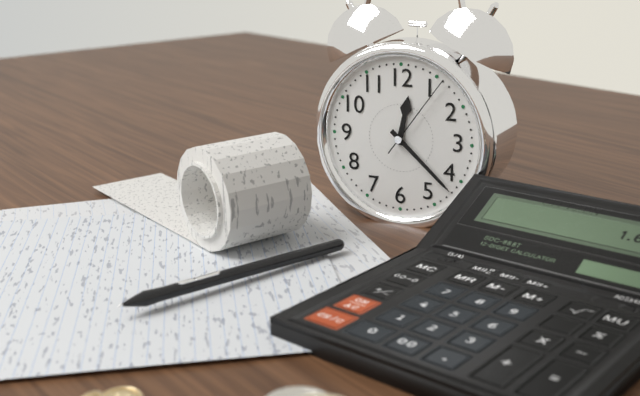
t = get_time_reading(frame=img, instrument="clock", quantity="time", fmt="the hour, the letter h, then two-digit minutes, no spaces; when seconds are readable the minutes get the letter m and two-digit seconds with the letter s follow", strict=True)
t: 12h22m06s
